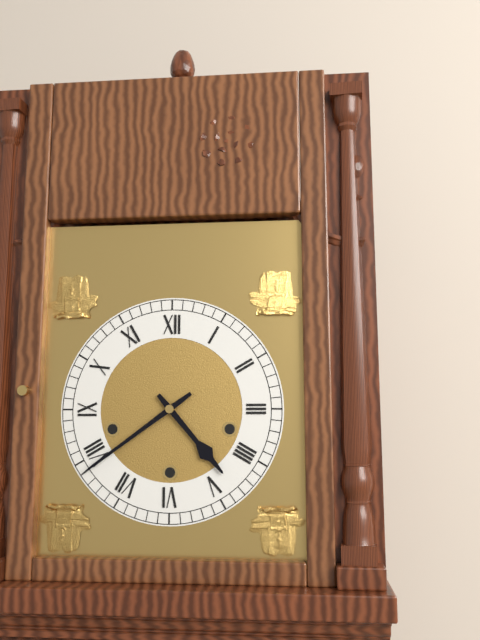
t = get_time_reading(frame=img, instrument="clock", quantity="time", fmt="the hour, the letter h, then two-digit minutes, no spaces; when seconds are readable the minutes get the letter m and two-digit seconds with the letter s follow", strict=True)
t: 4h39
